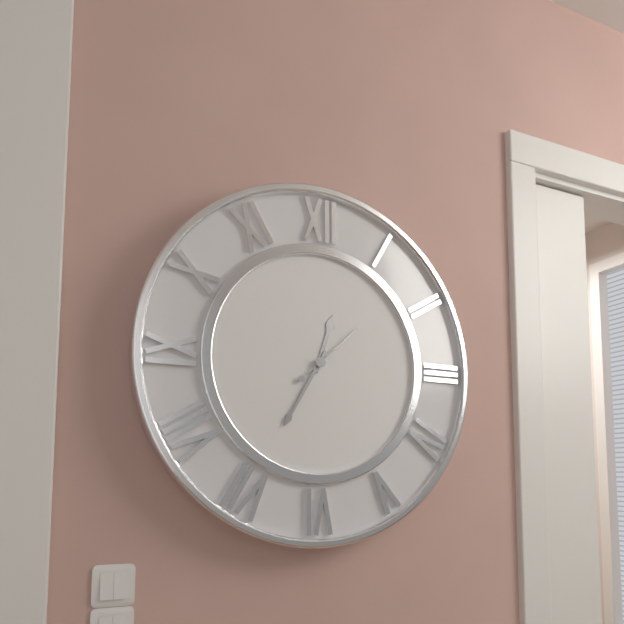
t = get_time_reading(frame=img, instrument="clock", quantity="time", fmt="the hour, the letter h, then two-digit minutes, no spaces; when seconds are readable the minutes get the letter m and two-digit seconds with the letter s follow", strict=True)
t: 12h35m08s
